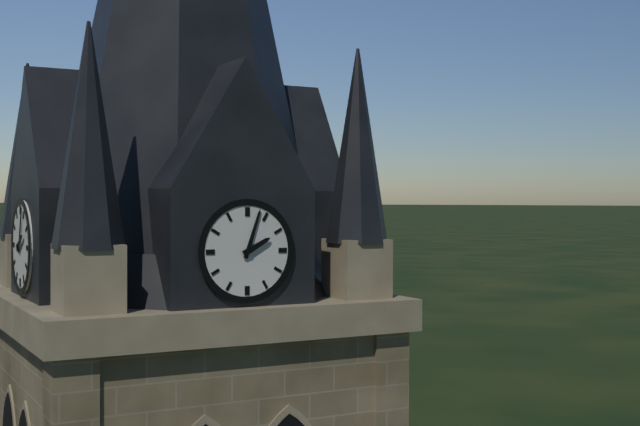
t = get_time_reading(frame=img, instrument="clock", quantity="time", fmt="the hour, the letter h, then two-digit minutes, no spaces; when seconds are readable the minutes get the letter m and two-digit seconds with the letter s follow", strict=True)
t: 2h03
